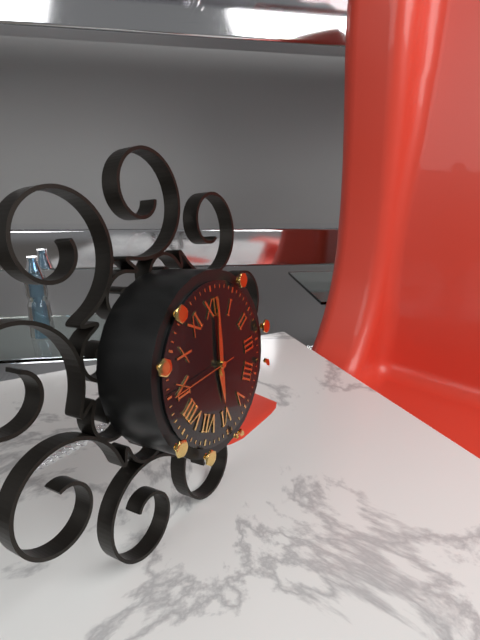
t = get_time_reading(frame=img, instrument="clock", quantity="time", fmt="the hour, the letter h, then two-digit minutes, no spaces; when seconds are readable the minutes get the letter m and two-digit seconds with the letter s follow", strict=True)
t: 6h01m45s
